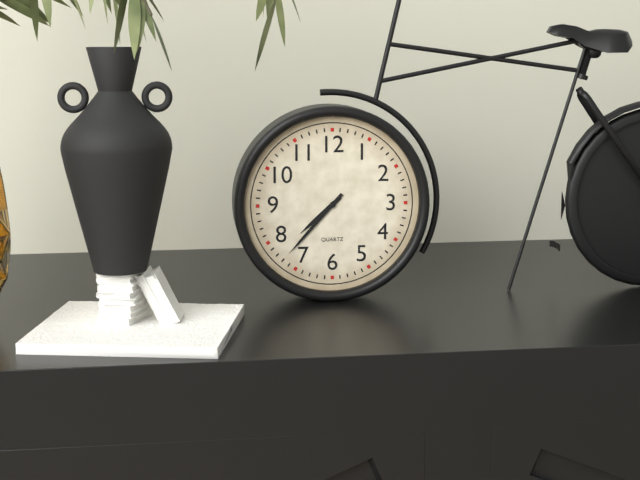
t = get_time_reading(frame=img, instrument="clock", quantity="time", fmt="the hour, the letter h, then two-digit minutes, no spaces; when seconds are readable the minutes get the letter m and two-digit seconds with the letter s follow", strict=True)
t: 7h37
